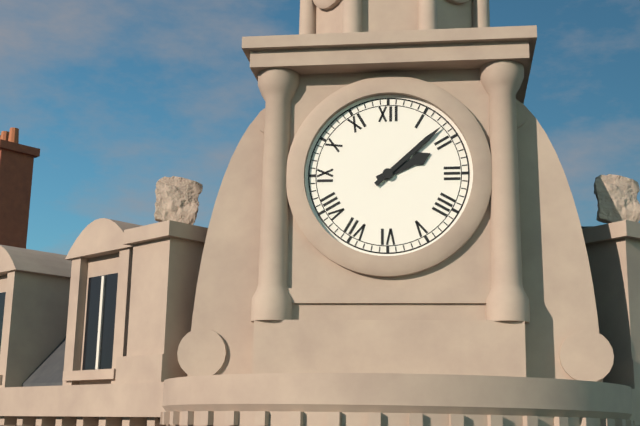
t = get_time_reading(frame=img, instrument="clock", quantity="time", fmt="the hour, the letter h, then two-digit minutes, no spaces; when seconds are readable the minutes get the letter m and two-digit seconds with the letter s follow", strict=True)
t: 2h08
